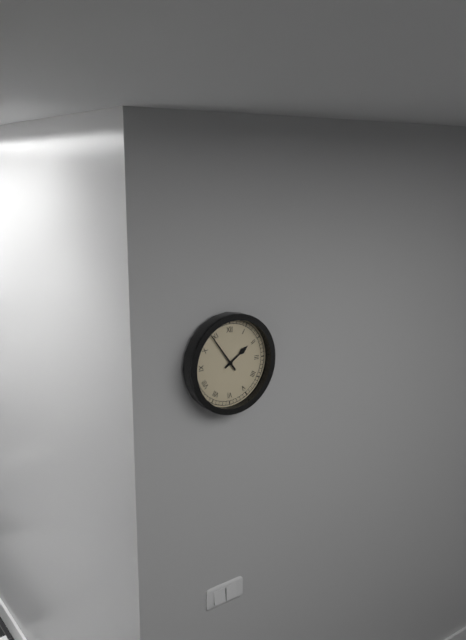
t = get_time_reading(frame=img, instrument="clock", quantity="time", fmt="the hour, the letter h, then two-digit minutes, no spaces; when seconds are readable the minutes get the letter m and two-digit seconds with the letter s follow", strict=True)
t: 1h54
